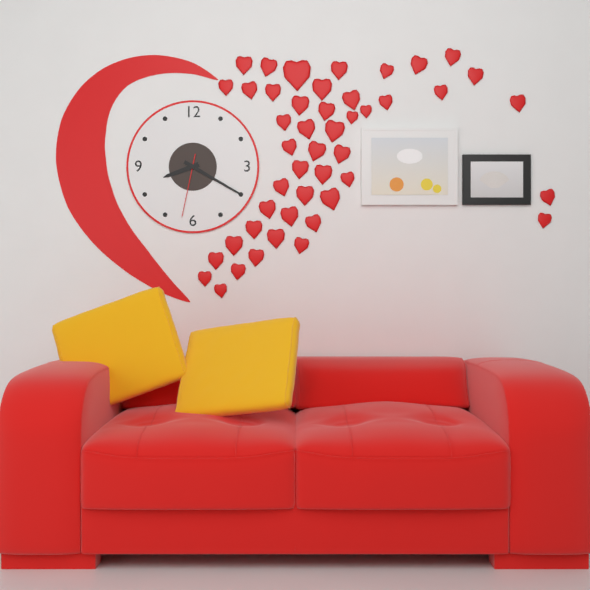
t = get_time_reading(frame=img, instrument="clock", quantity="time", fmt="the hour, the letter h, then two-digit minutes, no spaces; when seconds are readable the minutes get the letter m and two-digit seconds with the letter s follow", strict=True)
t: 8h20m32s
